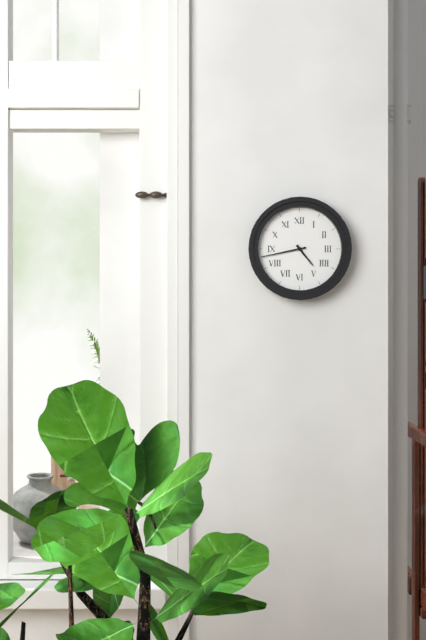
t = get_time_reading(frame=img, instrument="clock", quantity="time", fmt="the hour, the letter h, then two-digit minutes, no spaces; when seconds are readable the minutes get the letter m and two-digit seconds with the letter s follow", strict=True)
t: 4h43
